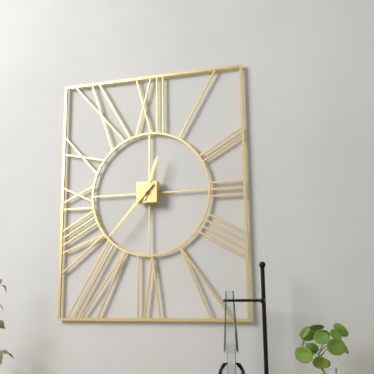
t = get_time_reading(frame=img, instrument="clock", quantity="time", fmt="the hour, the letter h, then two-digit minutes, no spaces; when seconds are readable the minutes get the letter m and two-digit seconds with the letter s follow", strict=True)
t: 12h37
